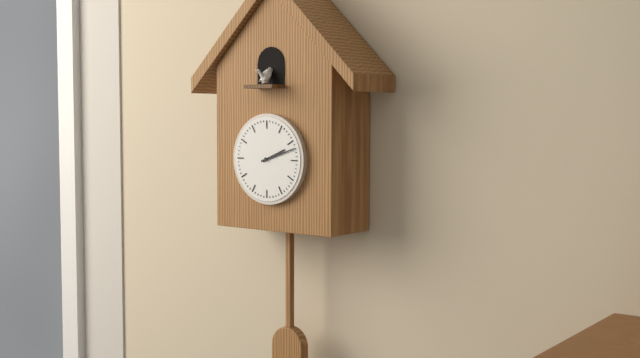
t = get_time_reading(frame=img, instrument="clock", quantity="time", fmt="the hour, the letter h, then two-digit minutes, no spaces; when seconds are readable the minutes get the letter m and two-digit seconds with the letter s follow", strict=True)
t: 2h12
